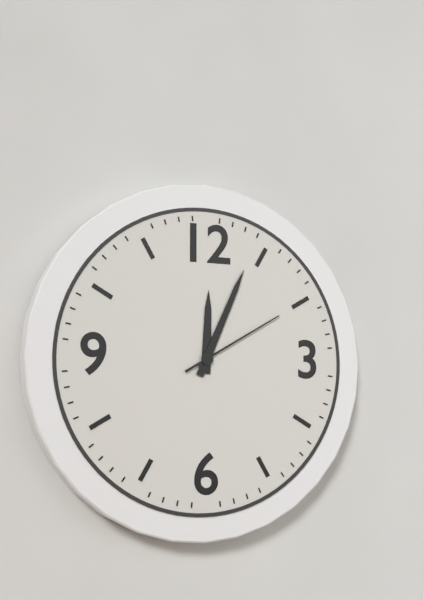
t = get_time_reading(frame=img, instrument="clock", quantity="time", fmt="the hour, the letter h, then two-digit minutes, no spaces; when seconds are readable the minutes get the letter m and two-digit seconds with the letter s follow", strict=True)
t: 12h04m10s
